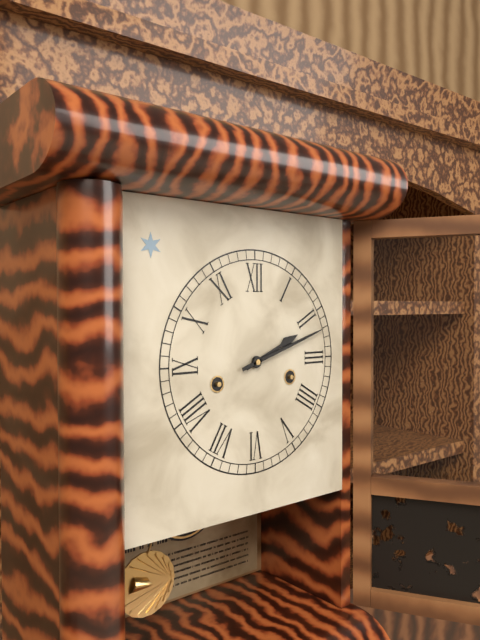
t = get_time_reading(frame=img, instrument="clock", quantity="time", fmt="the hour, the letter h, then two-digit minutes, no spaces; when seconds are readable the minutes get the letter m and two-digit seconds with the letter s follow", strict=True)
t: 2h12
